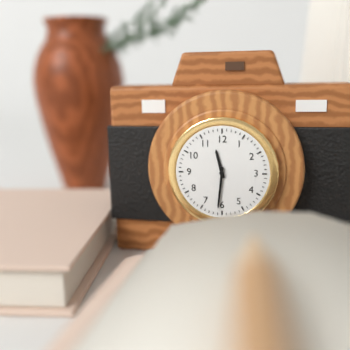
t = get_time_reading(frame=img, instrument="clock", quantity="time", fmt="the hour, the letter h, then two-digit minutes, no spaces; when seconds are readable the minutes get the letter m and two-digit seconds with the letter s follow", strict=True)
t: 11h31
